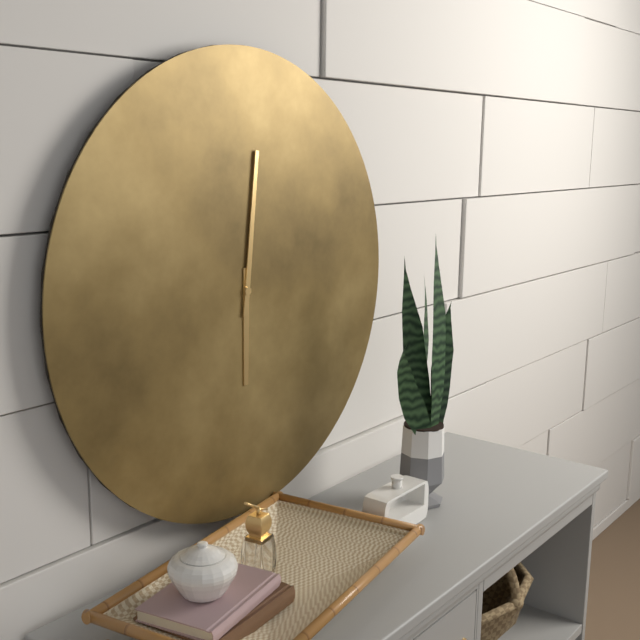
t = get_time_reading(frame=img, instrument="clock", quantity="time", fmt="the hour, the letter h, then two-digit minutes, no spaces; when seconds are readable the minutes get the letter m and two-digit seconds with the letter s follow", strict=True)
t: 6h01
